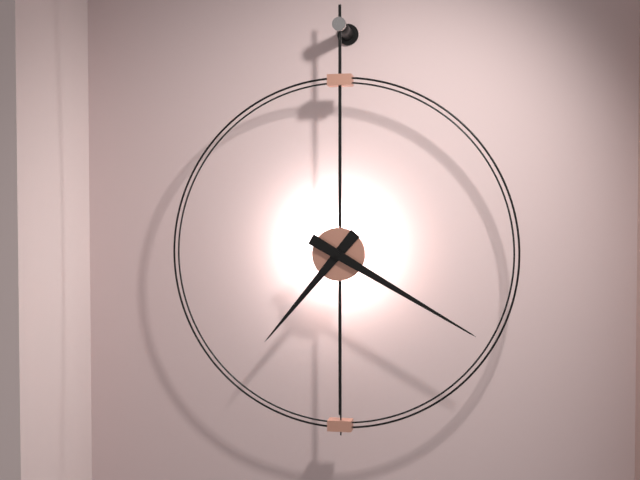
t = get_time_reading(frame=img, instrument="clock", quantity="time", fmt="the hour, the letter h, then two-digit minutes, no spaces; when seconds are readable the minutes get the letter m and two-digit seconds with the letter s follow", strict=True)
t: 7h20
